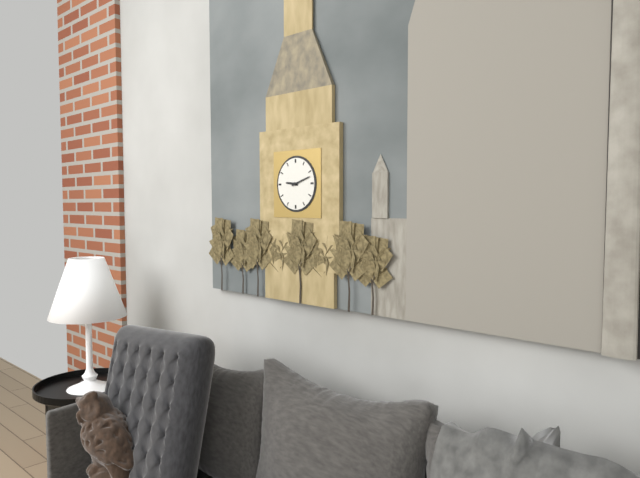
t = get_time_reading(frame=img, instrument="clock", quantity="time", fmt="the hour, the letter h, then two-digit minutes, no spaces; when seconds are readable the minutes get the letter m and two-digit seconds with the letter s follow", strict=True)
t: 9h12
